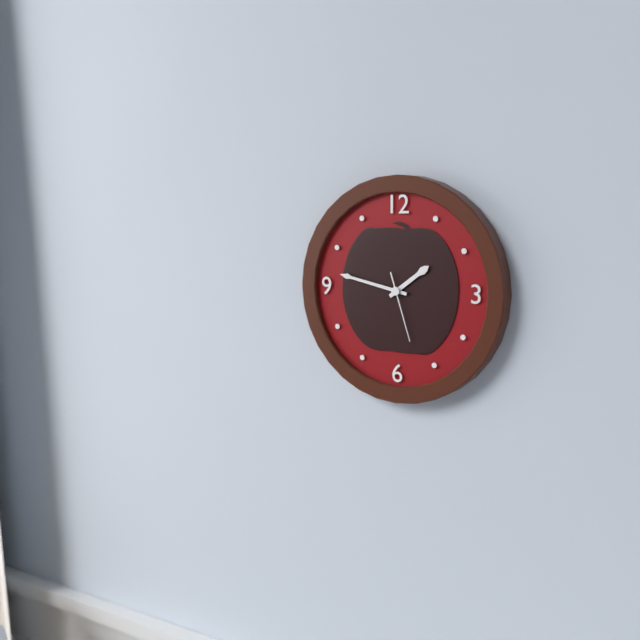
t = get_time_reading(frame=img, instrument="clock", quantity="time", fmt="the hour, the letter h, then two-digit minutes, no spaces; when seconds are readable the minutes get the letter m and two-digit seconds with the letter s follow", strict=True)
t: 1h47m27s
